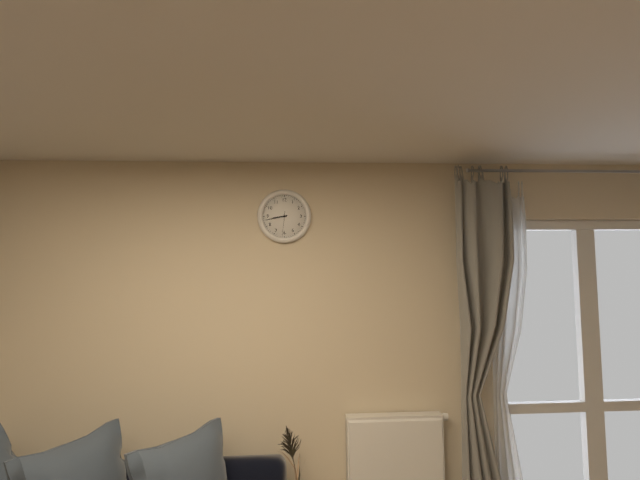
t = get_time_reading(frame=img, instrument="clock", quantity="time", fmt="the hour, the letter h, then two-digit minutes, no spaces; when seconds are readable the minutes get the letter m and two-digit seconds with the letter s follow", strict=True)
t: 8h43
